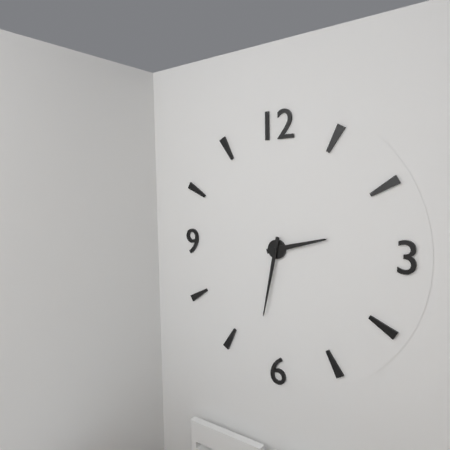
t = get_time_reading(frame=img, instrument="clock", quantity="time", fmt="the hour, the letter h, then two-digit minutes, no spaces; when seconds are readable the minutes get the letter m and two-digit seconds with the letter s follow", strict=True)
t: 2h32
